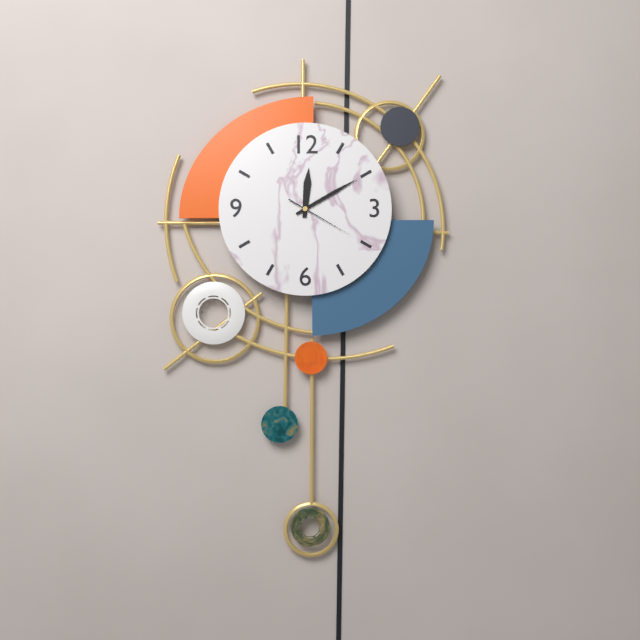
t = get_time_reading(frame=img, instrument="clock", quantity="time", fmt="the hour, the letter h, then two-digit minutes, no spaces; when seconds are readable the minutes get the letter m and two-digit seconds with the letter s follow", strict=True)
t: 12h10m20s
